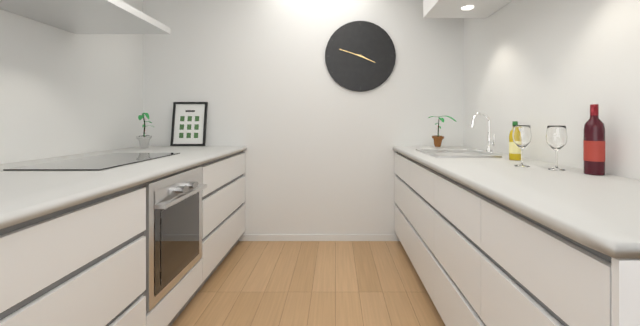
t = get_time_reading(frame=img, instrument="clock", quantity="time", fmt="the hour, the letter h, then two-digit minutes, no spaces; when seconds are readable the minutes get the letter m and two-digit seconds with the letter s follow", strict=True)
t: 3h48
